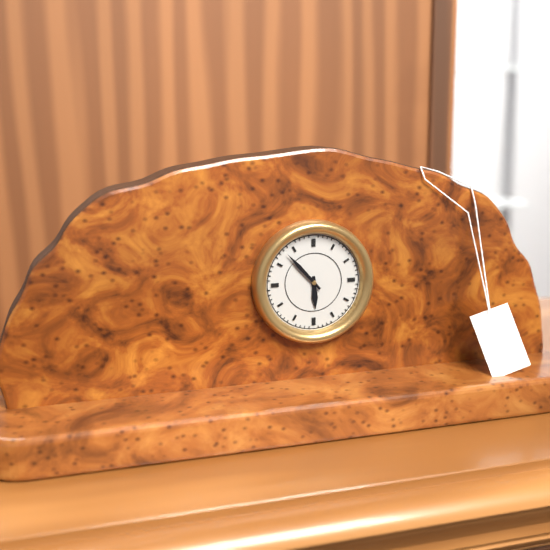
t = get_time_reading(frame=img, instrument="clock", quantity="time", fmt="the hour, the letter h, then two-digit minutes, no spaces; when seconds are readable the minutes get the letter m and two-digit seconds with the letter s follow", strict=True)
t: 5h53
